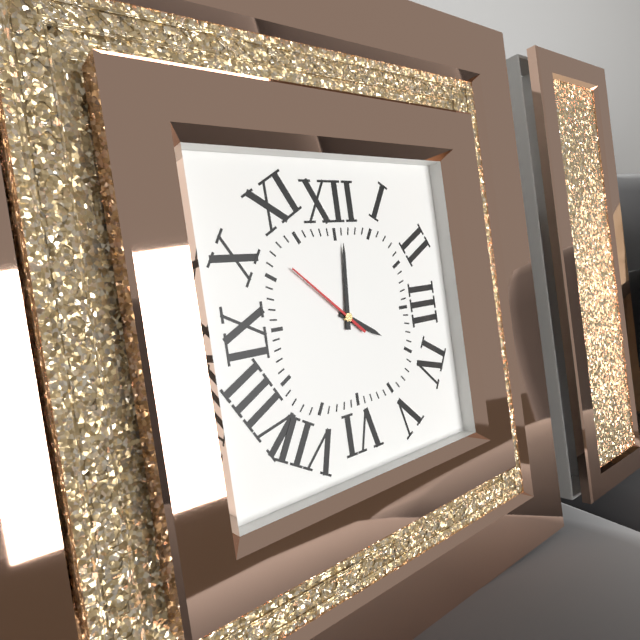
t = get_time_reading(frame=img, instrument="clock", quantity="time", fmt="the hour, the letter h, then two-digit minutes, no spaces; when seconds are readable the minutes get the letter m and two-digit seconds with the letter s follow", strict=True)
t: 4h01m52s
